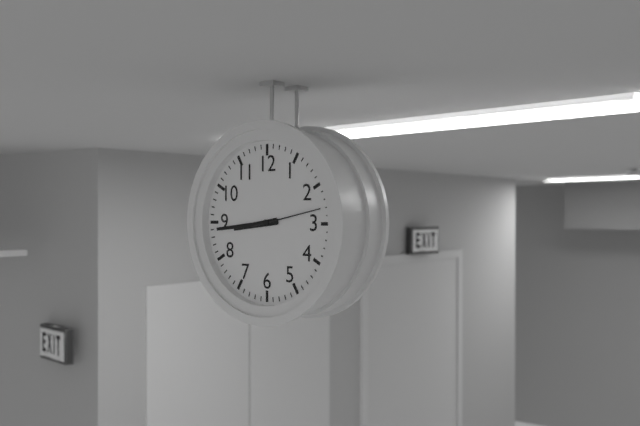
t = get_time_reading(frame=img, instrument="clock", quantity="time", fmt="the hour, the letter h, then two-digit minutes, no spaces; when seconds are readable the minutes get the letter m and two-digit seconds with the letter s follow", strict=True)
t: 8h44m13s
